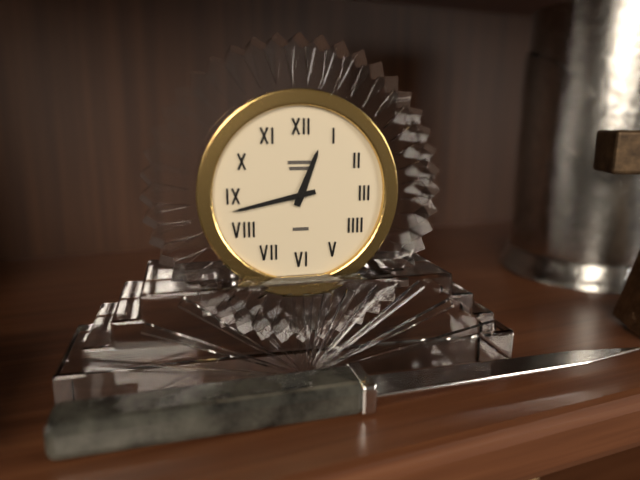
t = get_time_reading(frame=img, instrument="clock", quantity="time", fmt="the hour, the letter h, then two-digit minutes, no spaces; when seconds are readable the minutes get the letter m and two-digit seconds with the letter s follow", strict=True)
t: 12h43
